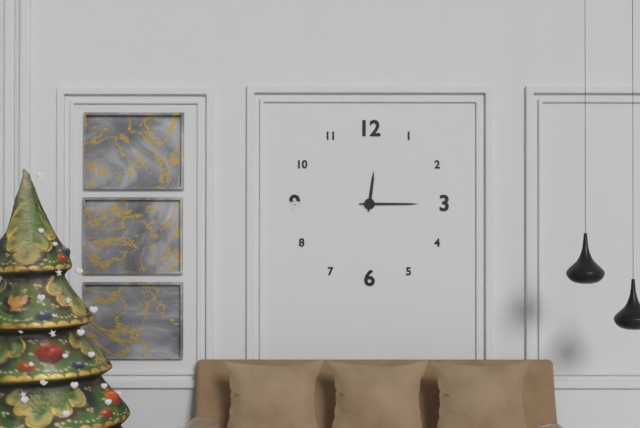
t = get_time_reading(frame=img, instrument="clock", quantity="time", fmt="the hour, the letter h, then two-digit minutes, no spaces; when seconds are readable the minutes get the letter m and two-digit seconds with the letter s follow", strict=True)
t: 12h15
